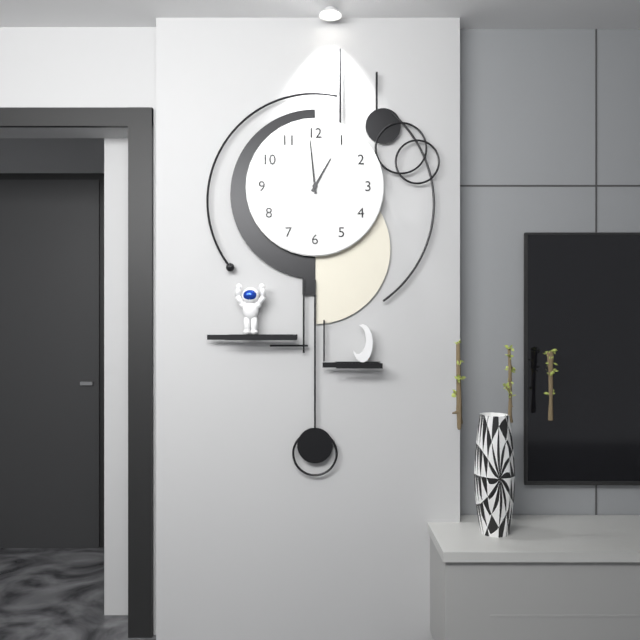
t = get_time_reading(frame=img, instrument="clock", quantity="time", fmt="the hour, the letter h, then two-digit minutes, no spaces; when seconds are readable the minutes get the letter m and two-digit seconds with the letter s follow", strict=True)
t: 12h59
